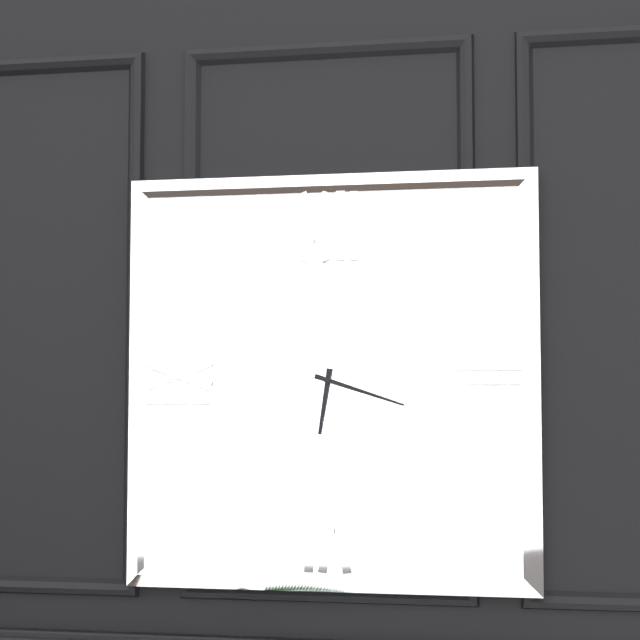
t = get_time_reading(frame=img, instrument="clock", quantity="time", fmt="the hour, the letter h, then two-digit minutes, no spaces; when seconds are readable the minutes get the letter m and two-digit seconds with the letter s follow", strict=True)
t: 6h18
